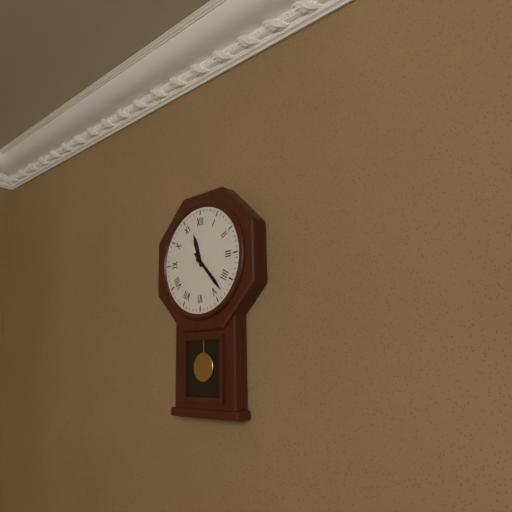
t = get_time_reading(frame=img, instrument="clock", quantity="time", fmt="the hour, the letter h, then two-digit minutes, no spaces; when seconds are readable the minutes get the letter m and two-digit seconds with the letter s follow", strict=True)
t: 11h23
